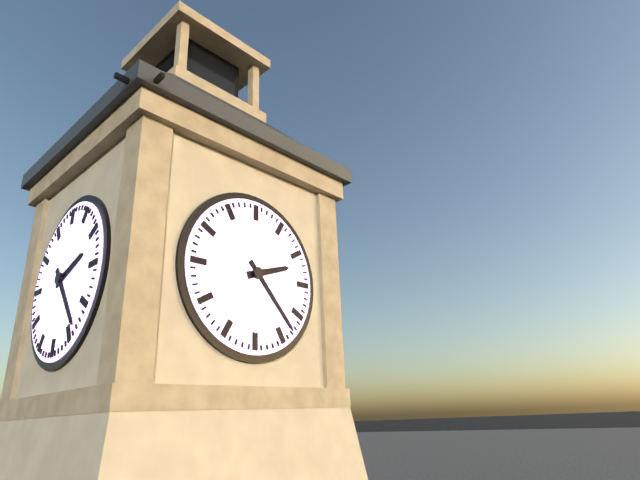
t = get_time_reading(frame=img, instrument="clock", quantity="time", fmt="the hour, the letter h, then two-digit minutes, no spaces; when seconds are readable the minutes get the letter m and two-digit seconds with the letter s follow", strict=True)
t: 2h23
